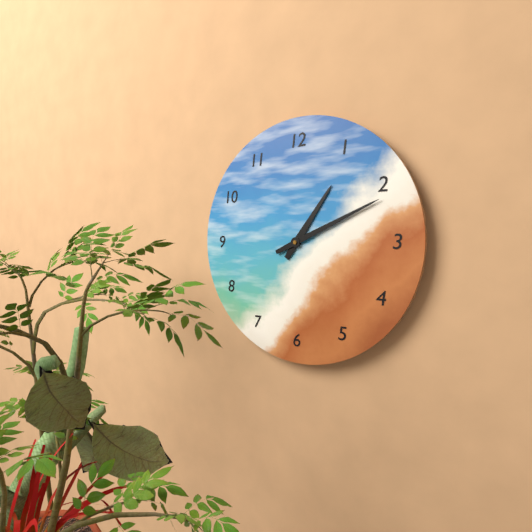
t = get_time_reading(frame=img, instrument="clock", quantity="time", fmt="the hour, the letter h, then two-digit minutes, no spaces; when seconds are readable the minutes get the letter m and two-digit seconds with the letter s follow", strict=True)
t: 1h11
